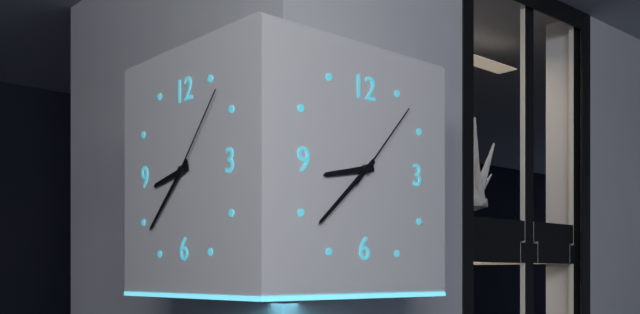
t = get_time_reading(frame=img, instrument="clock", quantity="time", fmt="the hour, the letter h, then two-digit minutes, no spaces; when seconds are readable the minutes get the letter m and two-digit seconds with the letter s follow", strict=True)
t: 8h38m07s
